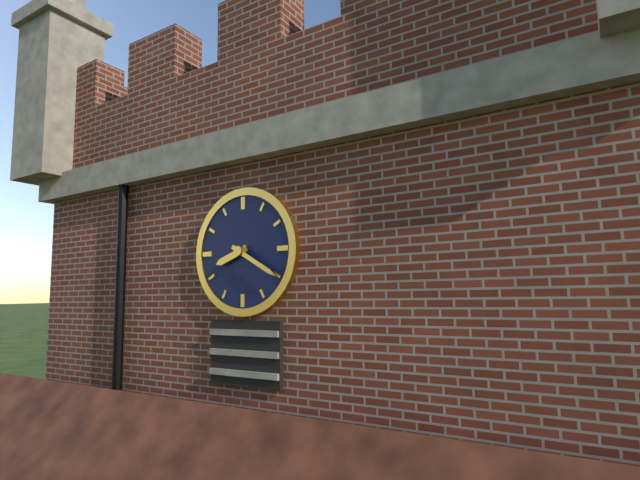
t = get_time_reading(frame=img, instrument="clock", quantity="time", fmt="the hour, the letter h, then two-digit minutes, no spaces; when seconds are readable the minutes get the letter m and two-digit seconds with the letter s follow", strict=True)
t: 8h20
